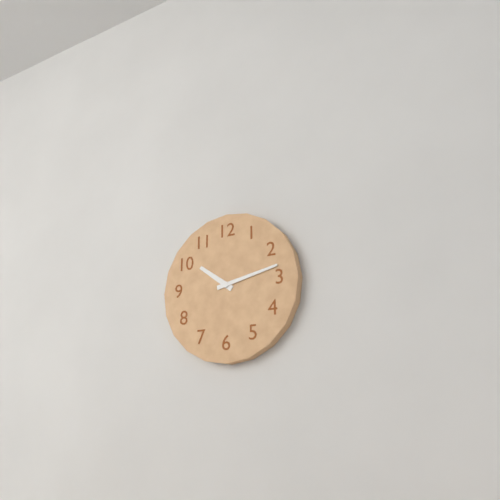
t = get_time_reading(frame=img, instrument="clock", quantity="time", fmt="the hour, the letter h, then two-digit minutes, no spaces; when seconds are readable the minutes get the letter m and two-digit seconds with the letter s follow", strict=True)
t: 10h13
